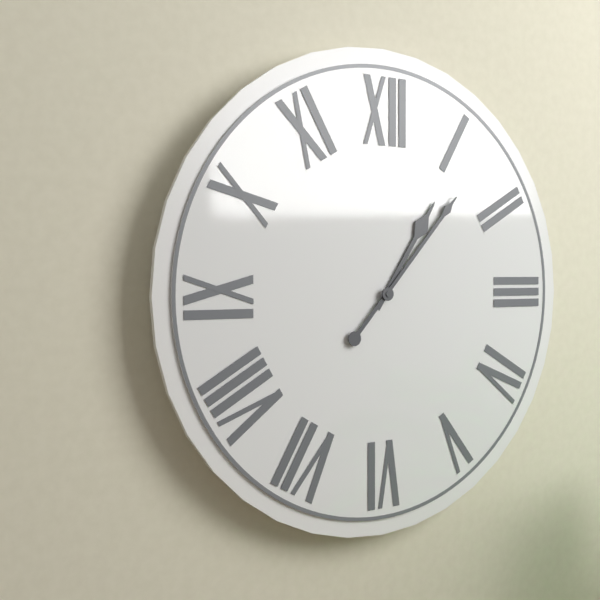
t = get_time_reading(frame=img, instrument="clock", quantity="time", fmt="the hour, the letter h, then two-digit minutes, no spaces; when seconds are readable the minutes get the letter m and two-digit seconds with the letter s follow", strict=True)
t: 1h07
